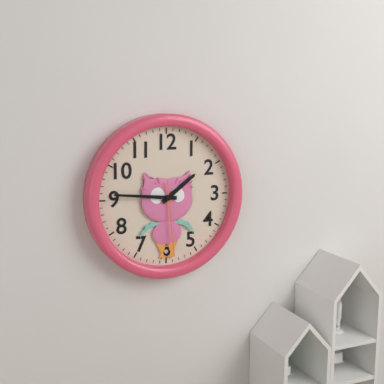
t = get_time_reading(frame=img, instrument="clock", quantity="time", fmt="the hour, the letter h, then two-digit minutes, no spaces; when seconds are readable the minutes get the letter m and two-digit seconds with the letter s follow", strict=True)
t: 1h46m29s
